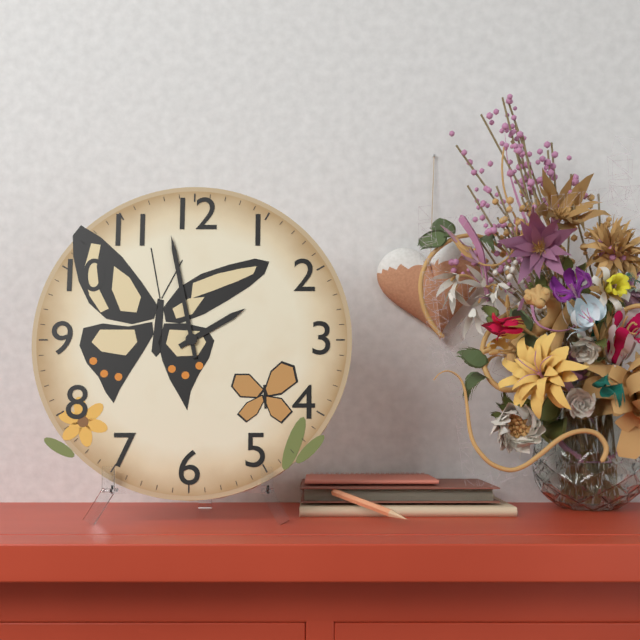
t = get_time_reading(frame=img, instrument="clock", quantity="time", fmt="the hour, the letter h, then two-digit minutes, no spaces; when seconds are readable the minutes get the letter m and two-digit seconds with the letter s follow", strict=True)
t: 1h58
